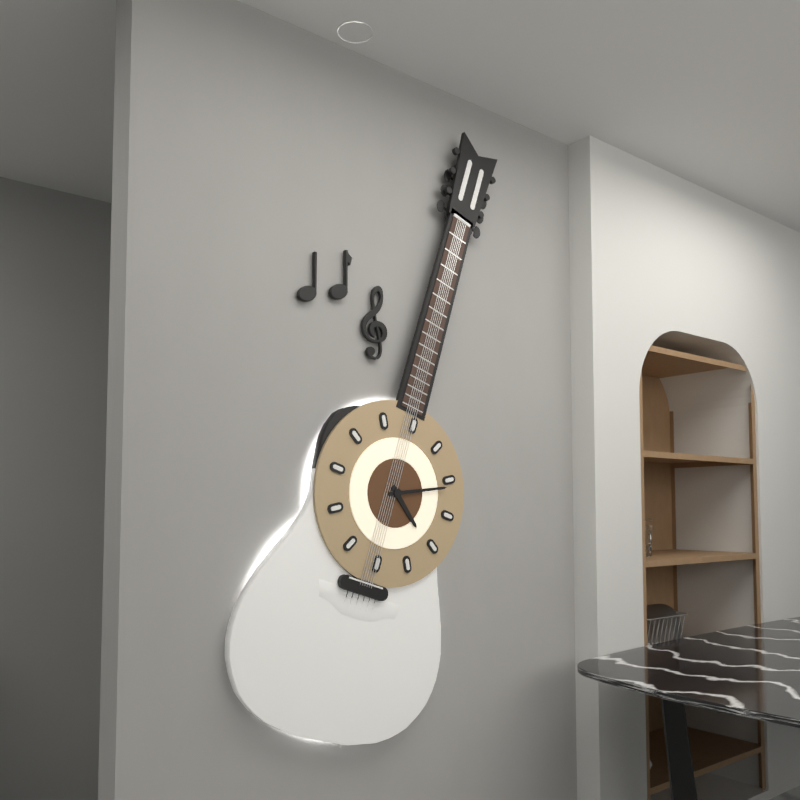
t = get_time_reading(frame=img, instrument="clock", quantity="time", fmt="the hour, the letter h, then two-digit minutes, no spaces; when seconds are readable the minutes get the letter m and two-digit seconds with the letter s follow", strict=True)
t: 4h11
